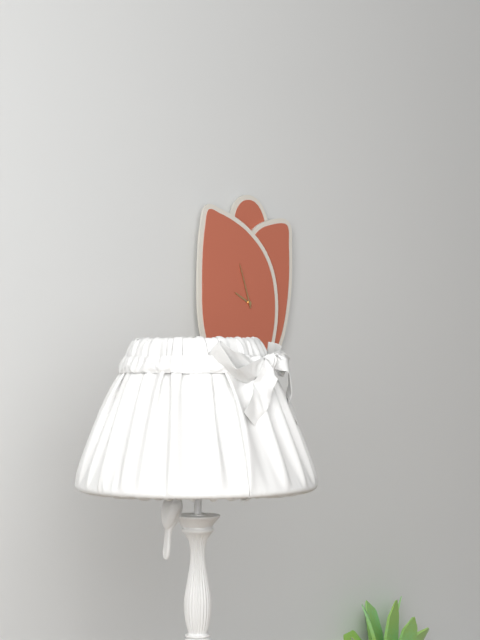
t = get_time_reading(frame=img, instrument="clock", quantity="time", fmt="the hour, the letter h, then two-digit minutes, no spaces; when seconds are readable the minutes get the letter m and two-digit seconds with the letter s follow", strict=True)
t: 9h57
